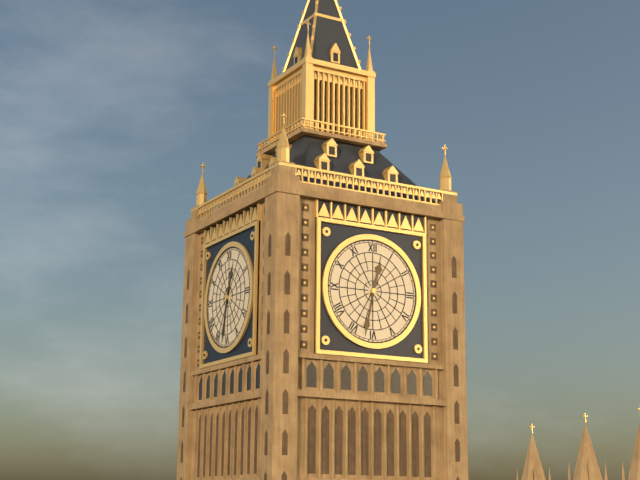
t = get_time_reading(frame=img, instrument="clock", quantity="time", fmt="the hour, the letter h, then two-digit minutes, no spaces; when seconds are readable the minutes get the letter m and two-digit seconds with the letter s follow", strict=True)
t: 12h32
